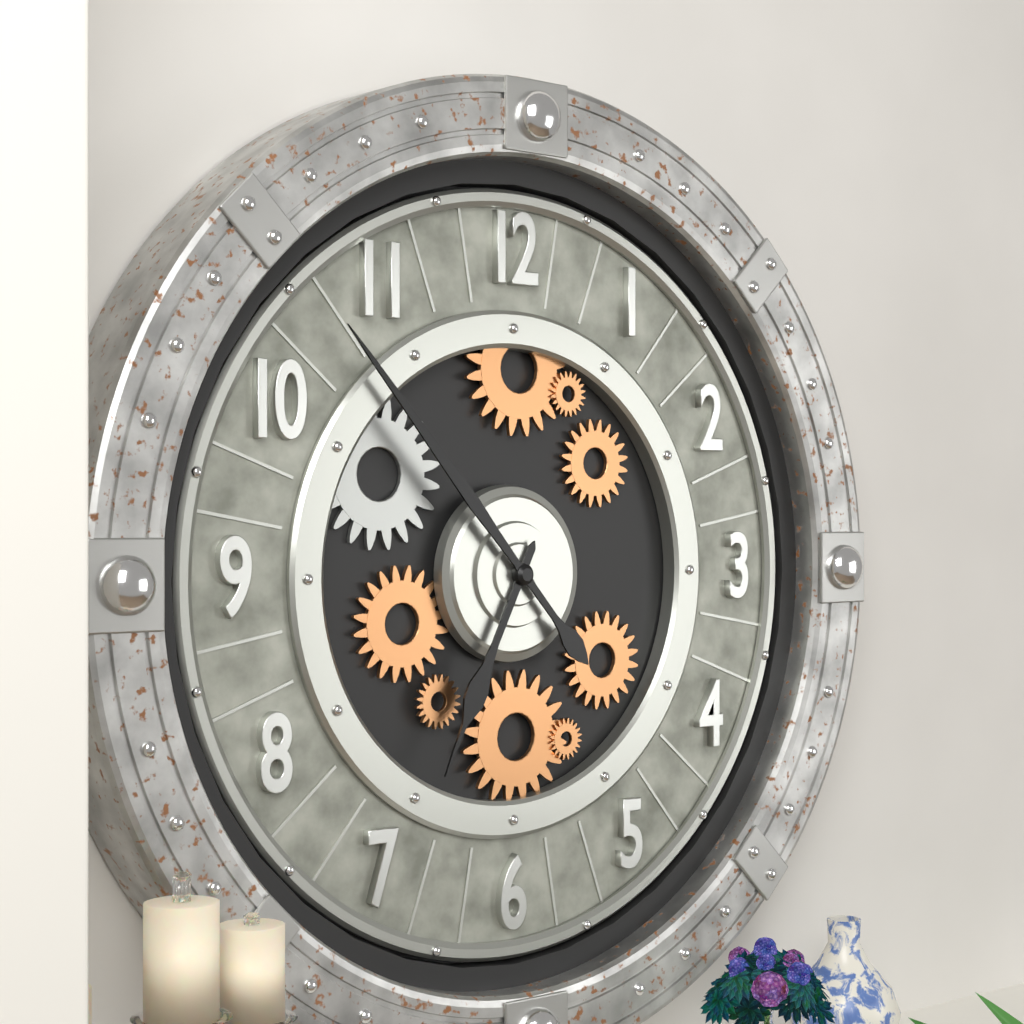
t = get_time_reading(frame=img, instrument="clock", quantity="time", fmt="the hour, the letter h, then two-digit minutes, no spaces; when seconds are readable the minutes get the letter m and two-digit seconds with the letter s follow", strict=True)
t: 6h53
